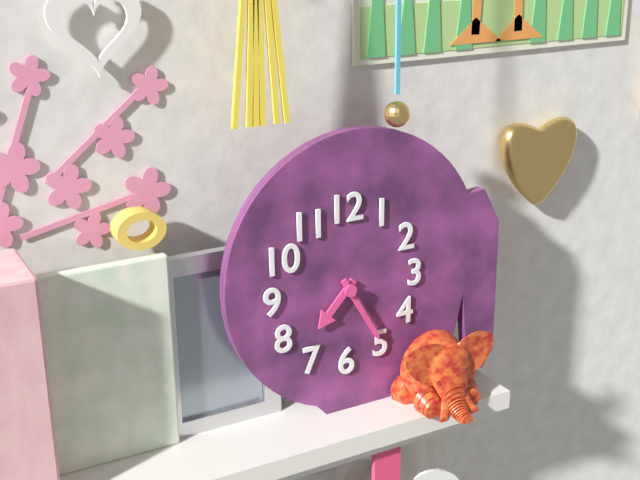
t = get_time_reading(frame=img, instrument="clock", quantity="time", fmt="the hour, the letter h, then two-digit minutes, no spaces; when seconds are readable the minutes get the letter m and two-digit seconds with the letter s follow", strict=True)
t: 7h25
